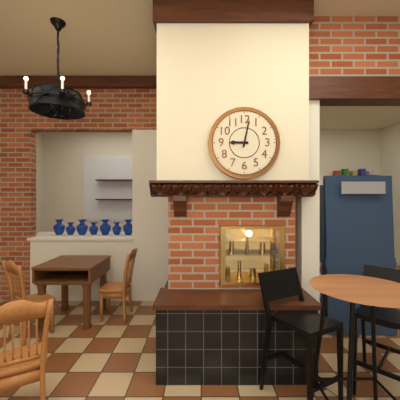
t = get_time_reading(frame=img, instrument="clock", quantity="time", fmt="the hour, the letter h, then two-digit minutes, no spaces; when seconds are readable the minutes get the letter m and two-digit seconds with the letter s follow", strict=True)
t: 9h02
